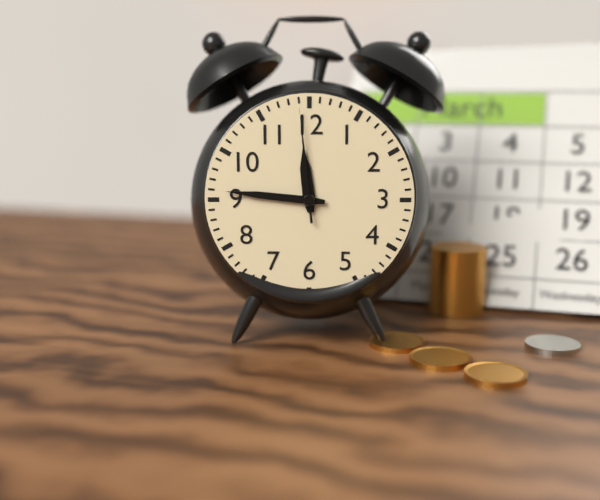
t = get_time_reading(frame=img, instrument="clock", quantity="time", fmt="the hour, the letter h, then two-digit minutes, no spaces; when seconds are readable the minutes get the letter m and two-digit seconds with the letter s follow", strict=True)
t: 11h46m59s
